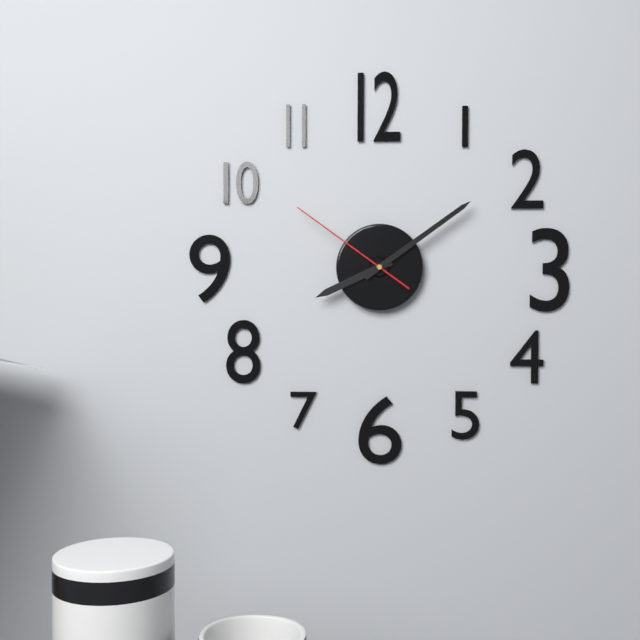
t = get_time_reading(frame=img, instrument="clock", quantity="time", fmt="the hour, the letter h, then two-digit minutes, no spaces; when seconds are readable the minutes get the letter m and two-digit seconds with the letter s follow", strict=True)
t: 8h09m51s
